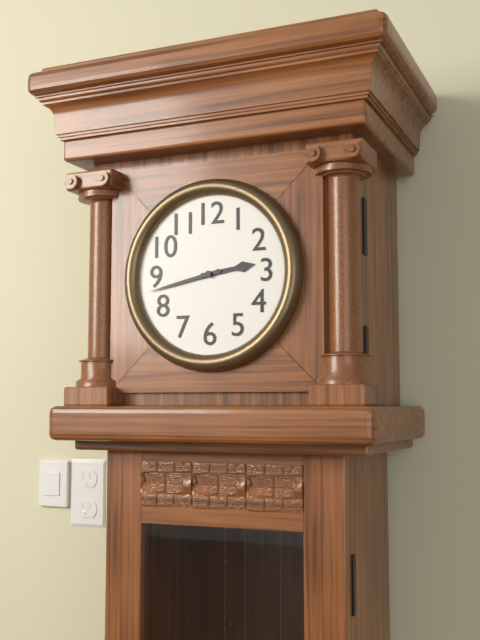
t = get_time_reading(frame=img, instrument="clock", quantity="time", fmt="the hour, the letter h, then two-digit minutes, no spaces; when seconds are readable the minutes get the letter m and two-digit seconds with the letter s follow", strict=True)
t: 2h43
